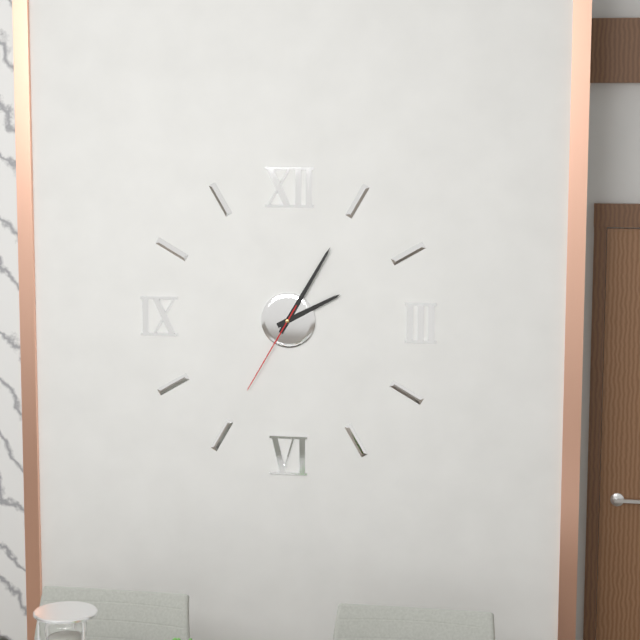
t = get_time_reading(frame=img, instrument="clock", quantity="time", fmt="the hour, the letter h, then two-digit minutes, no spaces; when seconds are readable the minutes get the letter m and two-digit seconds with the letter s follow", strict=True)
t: 2h05m35s
